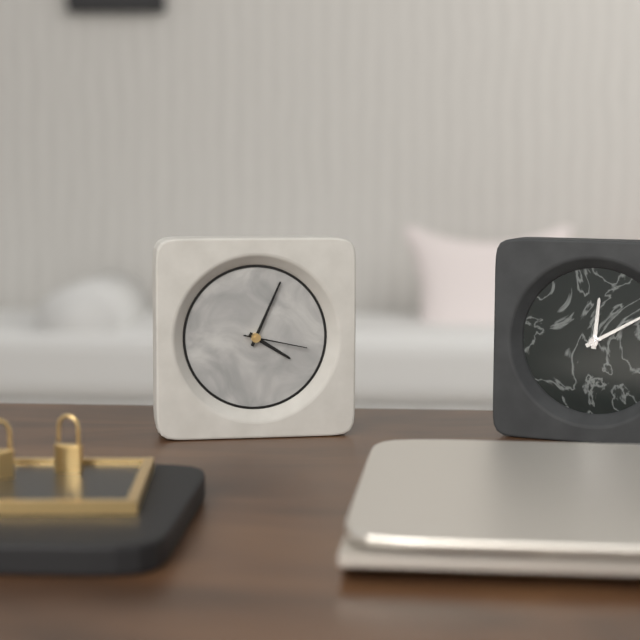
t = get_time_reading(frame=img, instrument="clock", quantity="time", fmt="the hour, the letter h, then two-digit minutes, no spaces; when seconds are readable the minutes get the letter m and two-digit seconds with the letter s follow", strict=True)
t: 4h04m17s
